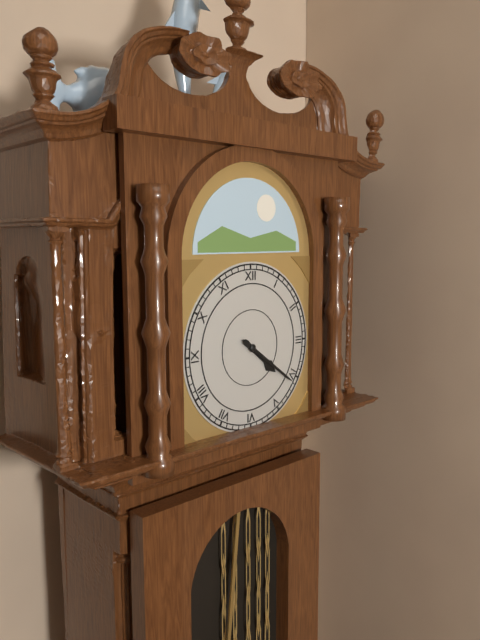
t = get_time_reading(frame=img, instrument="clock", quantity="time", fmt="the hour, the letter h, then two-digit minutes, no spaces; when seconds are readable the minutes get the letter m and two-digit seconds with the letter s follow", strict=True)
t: 4h21
